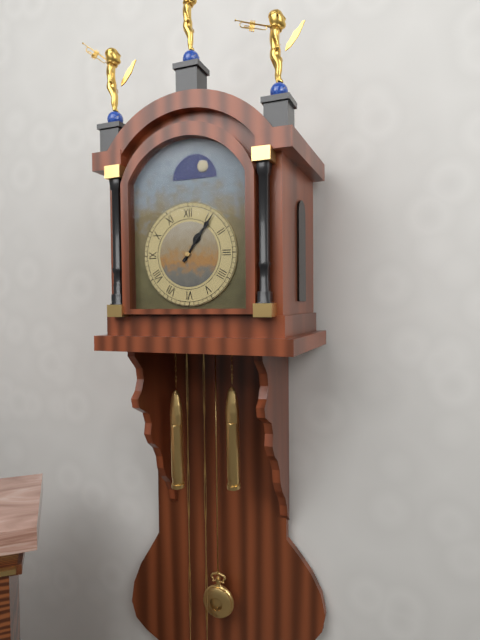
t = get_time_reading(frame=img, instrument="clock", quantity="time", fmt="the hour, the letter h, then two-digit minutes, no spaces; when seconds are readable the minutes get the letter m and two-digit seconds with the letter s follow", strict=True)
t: 1h06
